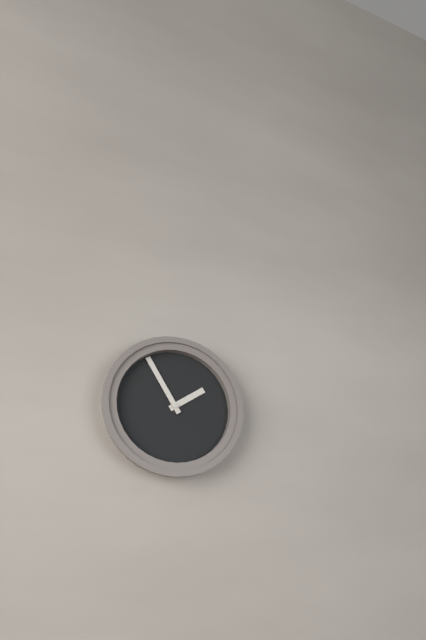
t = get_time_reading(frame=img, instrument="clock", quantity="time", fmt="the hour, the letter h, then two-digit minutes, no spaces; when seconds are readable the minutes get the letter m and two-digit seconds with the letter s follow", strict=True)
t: 1h55
